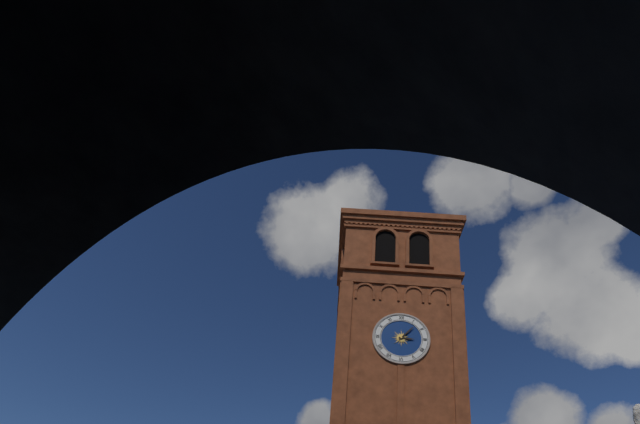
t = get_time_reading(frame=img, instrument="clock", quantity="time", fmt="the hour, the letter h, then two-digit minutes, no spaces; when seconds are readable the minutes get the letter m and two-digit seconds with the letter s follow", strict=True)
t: 3h07
